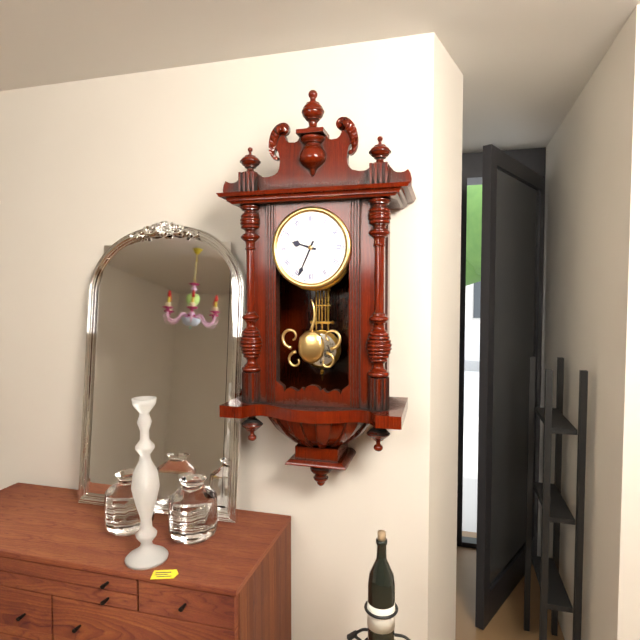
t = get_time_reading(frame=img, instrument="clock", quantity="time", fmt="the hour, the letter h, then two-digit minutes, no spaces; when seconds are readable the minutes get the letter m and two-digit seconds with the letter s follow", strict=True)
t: 9h34
